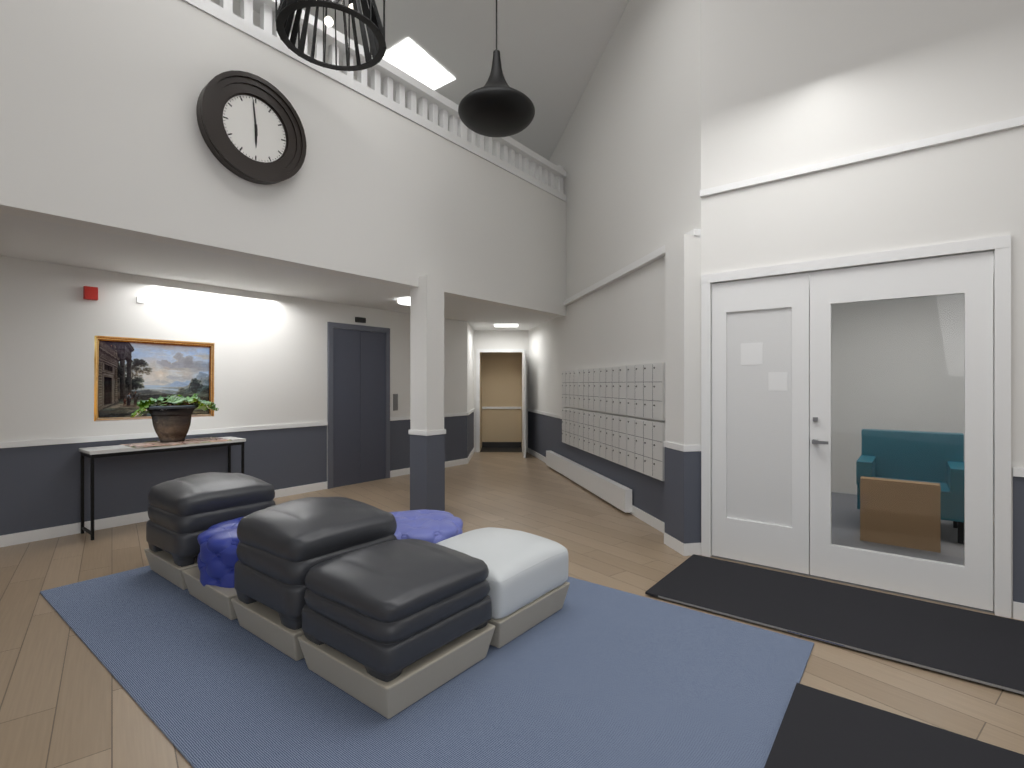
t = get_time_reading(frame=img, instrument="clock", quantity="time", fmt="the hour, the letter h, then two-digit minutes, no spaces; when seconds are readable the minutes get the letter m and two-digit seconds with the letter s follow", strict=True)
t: 5h59
